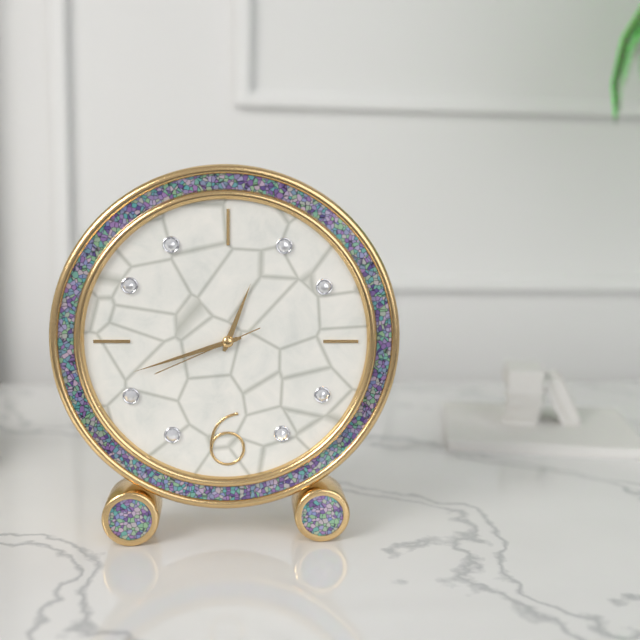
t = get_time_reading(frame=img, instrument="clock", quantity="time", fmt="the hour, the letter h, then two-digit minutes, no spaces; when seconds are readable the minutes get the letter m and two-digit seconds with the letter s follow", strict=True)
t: 12h42m41s
